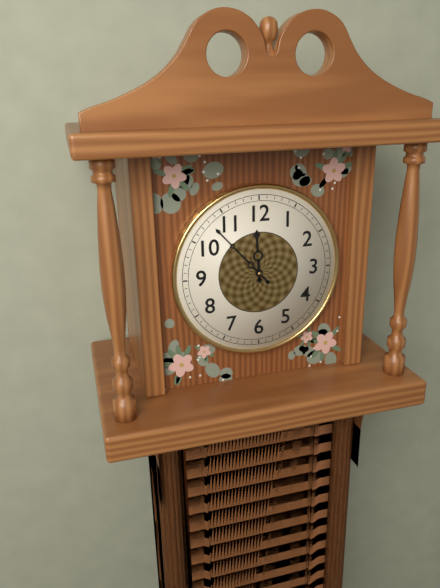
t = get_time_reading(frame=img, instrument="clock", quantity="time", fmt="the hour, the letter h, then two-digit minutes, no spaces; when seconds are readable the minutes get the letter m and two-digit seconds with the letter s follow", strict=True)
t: 11h53
